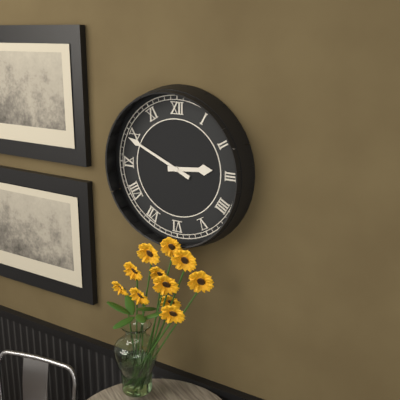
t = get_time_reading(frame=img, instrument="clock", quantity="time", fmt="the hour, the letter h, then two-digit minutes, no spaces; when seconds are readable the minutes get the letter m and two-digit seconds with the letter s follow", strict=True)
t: 2h49
